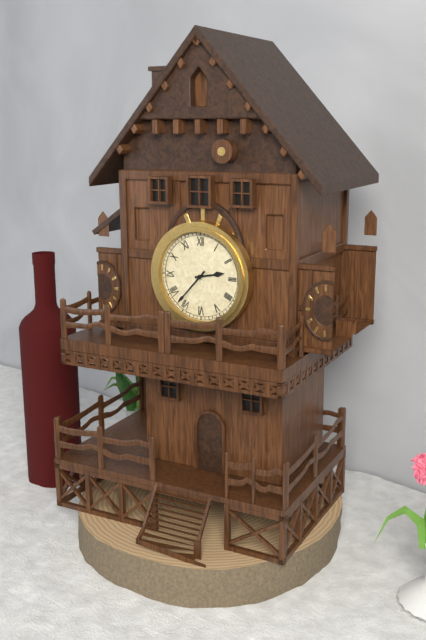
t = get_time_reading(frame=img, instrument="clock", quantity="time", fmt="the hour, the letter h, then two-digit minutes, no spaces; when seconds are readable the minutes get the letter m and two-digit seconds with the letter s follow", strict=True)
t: 2h37
